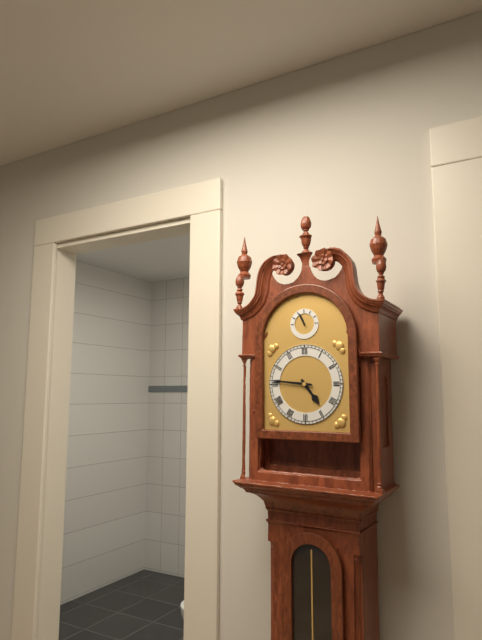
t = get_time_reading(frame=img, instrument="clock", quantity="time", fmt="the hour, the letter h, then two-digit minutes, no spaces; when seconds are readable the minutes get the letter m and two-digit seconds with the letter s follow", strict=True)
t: 4h46
